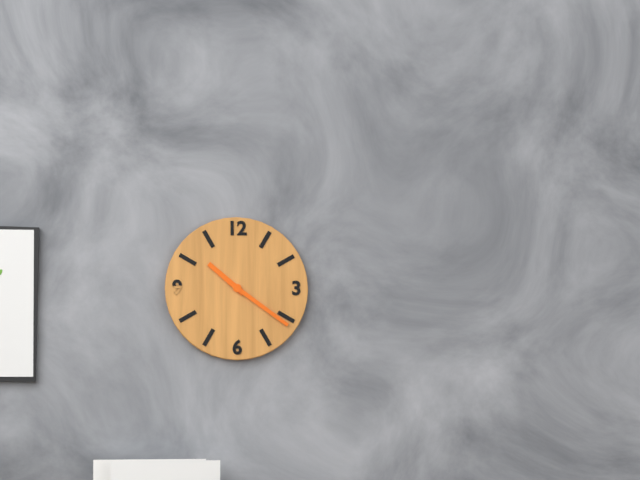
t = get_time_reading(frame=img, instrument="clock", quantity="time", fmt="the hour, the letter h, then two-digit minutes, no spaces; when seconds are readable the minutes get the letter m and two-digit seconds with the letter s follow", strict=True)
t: 10h21
